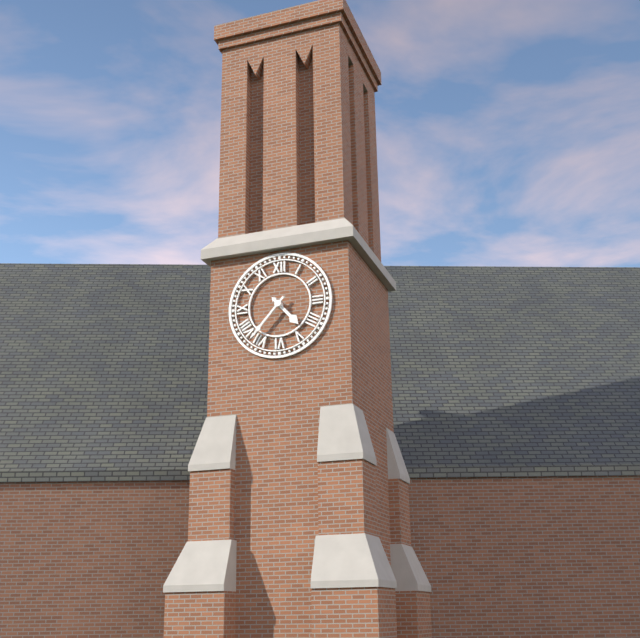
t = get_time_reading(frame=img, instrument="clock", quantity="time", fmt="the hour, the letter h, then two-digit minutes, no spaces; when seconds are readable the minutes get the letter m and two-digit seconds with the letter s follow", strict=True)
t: 4h37
